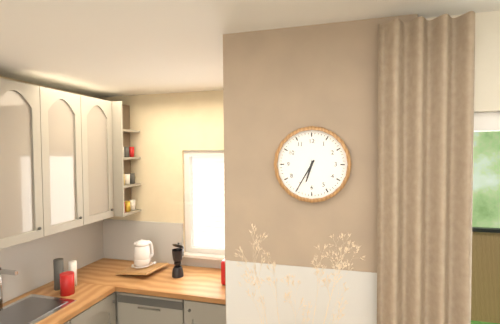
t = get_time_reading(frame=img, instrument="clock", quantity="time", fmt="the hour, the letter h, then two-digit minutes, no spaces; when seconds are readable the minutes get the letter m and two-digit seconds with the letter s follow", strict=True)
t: 6h35
